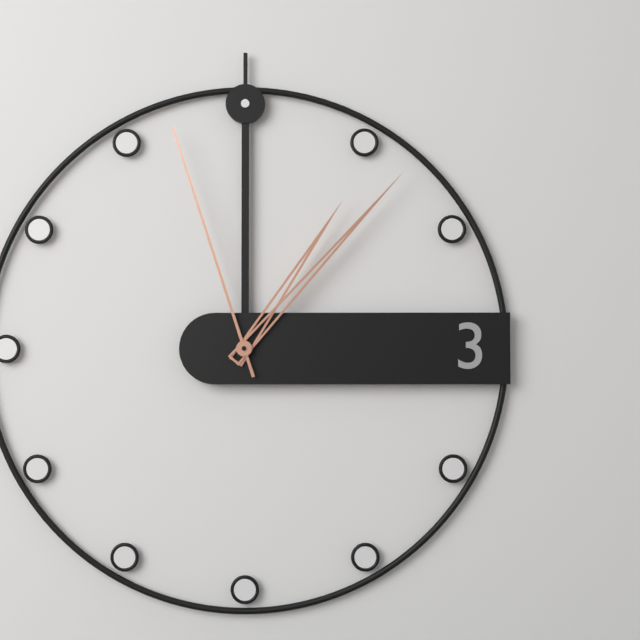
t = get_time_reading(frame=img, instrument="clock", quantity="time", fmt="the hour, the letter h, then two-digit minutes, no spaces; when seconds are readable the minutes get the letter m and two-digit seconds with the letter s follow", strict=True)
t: 1h07m57s
